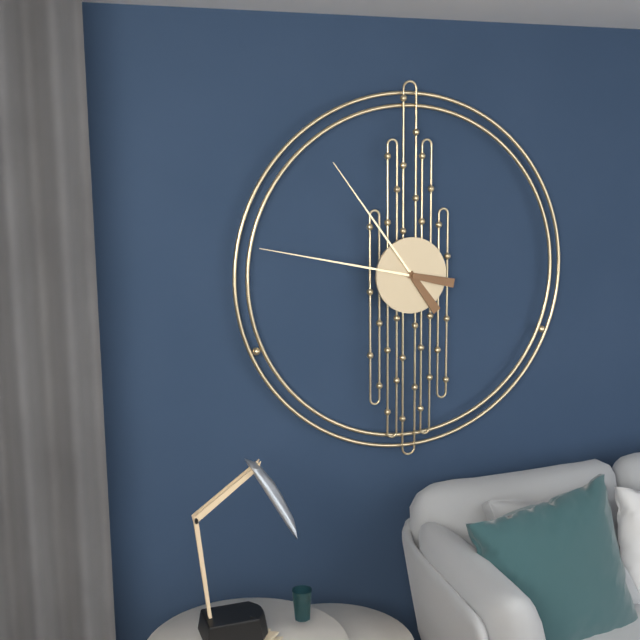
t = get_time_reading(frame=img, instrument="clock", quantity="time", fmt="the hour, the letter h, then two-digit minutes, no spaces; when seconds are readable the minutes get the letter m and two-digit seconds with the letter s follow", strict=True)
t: 10h47
